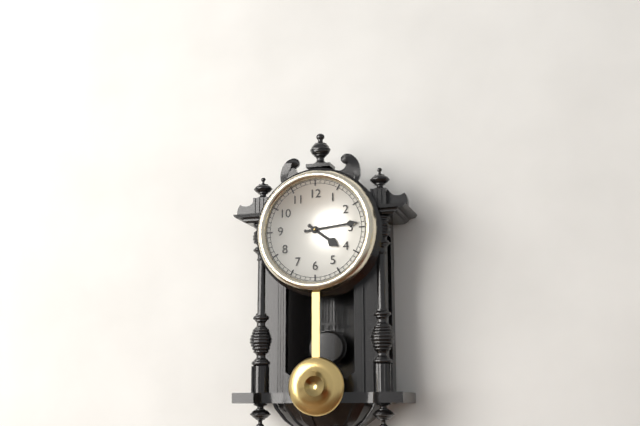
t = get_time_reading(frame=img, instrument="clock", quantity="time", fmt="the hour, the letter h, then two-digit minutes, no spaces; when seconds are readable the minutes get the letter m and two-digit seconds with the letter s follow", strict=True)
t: 4h14
